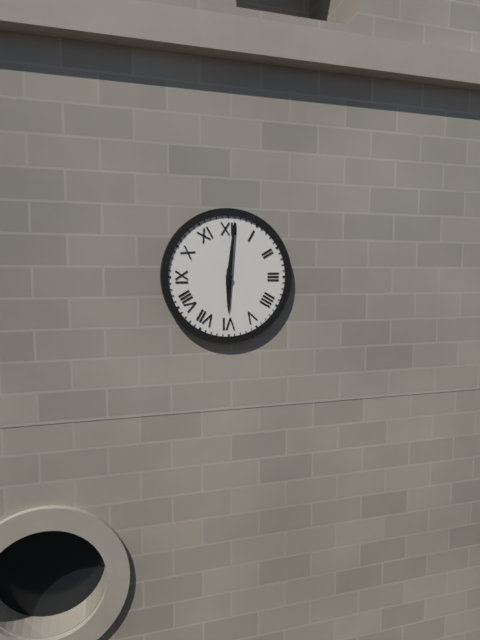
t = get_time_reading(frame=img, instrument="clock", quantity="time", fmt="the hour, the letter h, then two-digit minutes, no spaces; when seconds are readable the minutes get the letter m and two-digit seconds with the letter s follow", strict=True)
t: 6h01
